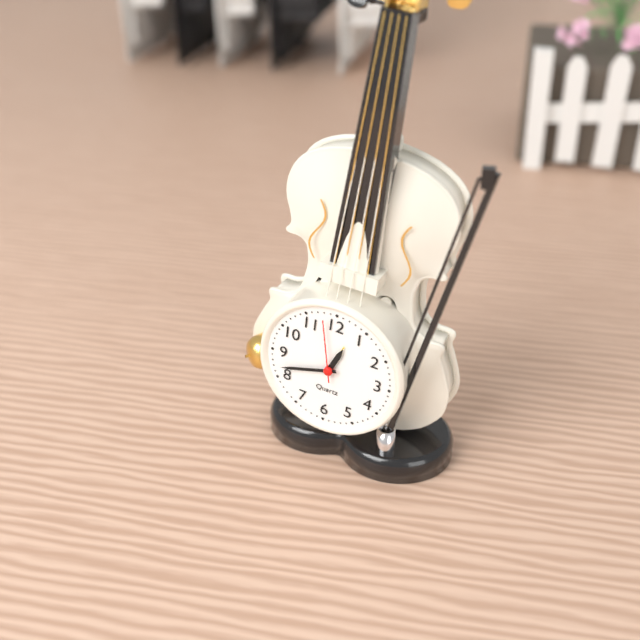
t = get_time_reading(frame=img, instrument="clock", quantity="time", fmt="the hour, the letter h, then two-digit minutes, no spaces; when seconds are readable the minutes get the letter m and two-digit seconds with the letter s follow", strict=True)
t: 12h42m58s
